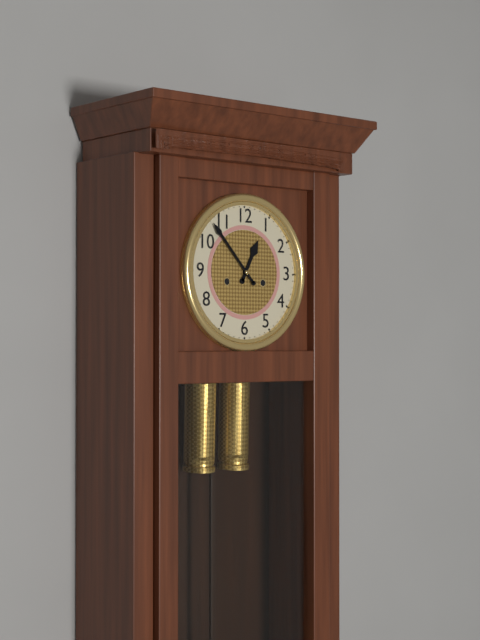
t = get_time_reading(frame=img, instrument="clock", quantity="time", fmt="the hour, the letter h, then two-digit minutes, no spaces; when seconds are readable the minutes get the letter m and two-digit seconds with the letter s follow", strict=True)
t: 12h53
